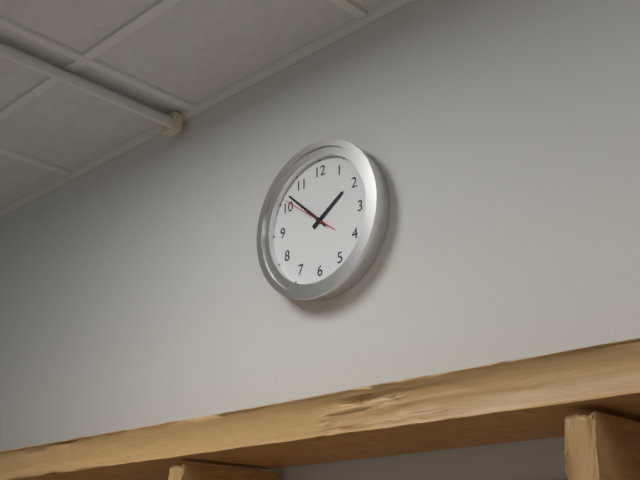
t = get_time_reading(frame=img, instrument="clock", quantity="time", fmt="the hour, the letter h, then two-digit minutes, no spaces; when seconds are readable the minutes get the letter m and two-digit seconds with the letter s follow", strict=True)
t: 1h52m51s
